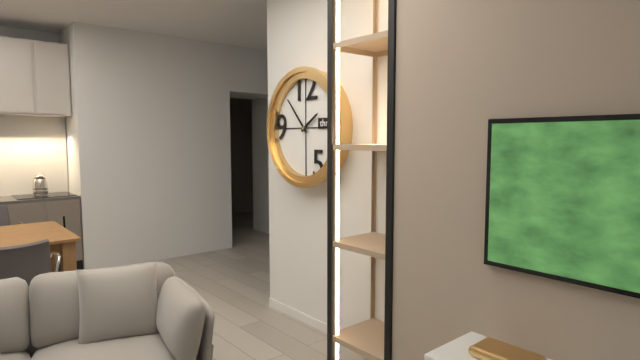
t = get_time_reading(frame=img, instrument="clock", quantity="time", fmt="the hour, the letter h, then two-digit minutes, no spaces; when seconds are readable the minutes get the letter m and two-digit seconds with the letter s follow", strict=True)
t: 1h53
